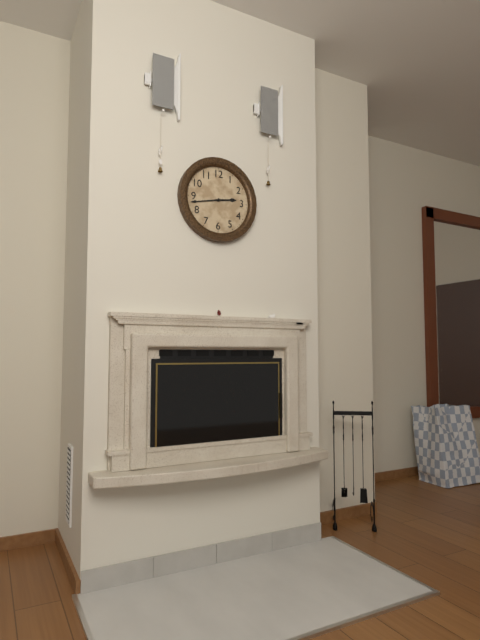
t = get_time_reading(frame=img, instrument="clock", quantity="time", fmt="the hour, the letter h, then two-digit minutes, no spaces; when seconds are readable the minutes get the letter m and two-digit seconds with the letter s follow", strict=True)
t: 2h43
